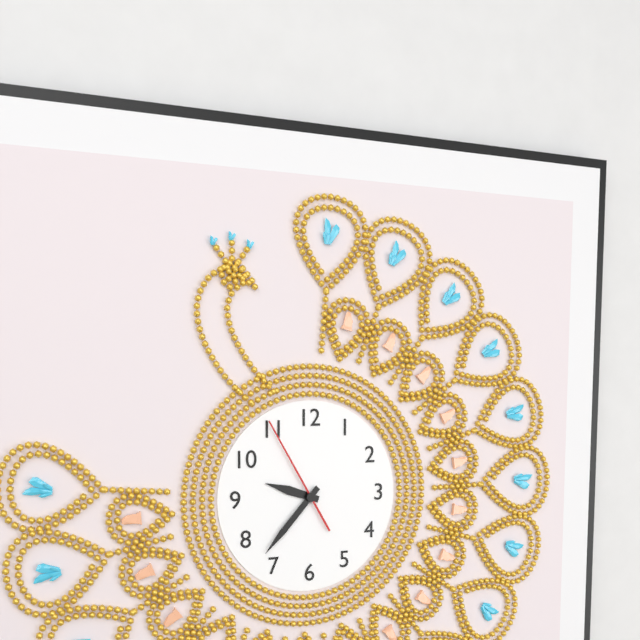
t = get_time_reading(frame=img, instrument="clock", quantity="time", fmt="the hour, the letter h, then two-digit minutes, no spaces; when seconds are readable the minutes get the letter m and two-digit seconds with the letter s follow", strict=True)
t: 9h37m55s
